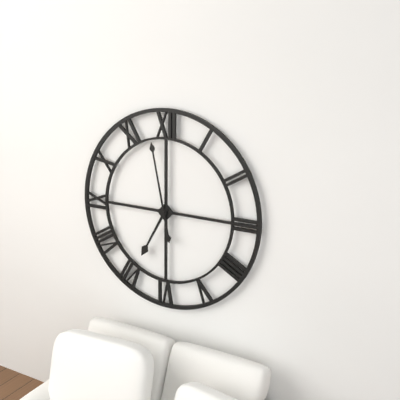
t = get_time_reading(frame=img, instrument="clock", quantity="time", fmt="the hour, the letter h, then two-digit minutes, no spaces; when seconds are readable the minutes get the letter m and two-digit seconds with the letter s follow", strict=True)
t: 6h58
